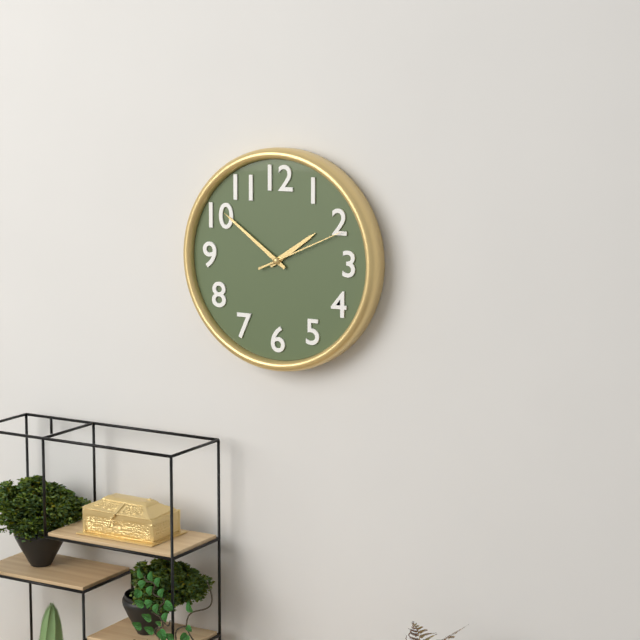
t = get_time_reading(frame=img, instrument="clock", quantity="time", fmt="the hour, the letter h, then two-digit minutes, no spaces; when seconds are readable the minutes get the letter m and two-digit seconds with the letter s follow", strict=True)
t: 1h51m11s
